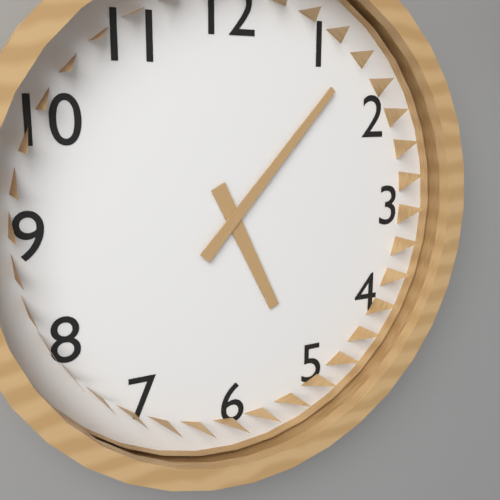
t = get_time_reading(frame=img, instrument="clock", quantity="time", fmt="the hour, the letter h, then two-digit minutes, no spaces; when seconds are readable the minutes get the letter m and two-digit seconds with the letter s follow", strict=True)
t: 5h07
